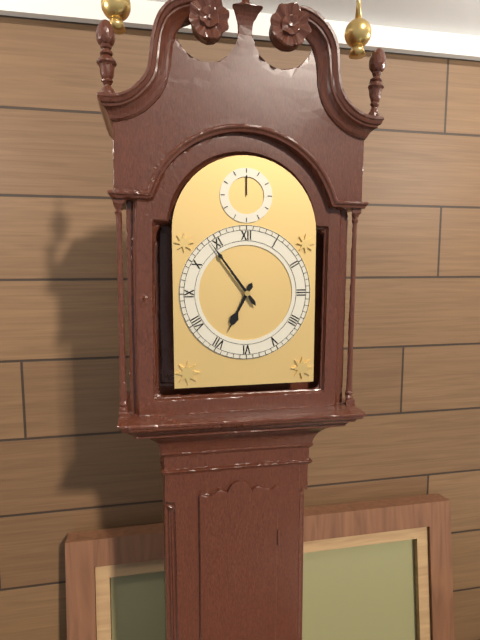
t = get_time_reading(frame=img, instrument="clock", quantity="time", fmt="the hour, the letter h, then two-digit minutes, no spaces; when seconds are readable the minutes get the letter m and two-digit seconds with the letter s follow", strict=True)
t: 6h54
